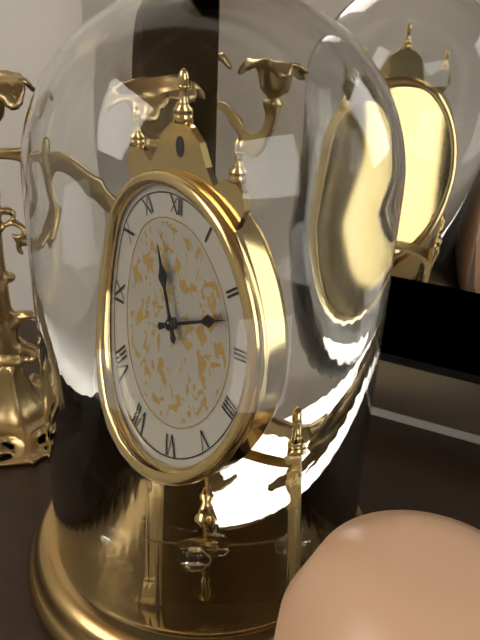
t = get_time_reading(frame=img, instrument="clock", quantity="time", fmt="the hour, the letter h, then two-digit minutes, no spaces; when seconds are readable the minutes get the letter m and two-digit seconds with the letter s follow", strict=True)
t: 11h12
